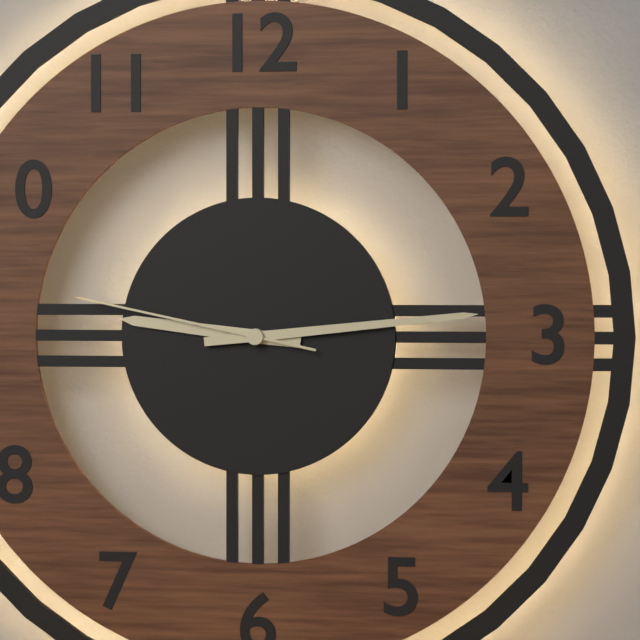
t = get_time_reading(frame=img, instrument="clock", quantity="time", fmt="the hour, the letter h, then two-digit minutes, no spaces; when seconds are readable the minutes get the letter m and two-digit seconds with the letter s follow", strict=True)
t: 9h14m47s
